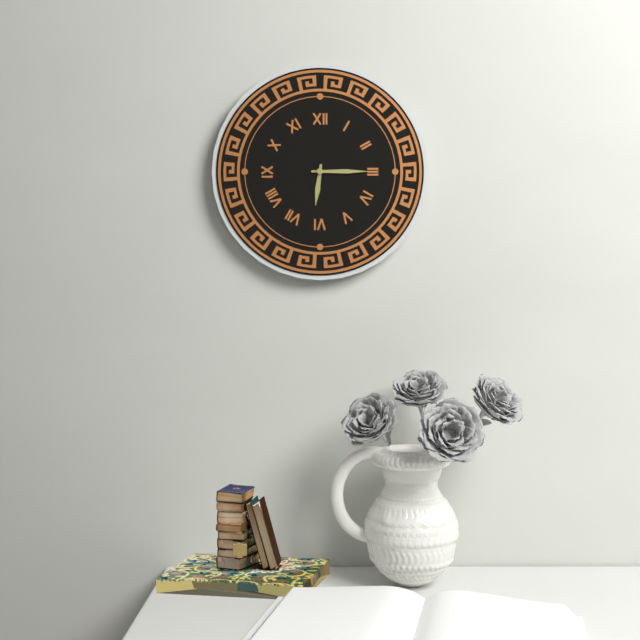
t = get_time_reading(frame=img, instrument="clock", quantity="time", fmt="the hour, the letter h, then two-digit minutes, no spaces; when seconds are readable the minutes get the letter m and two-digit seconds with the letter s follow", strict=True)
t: 6h15
